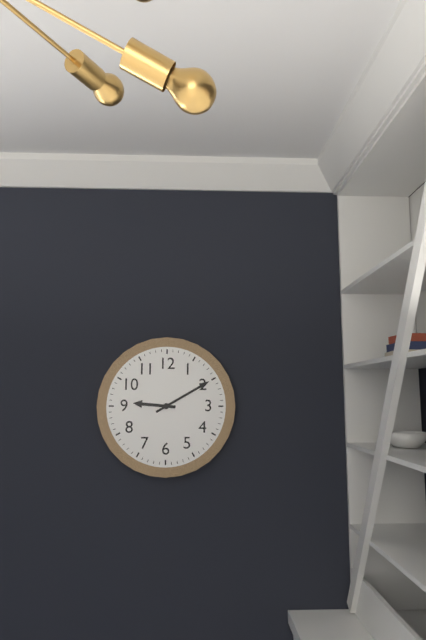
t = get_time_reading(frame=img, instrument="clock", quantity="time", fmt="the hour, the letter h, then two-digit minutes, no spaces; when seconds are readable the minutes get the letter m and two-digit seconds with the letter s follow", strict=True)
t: 9h10
